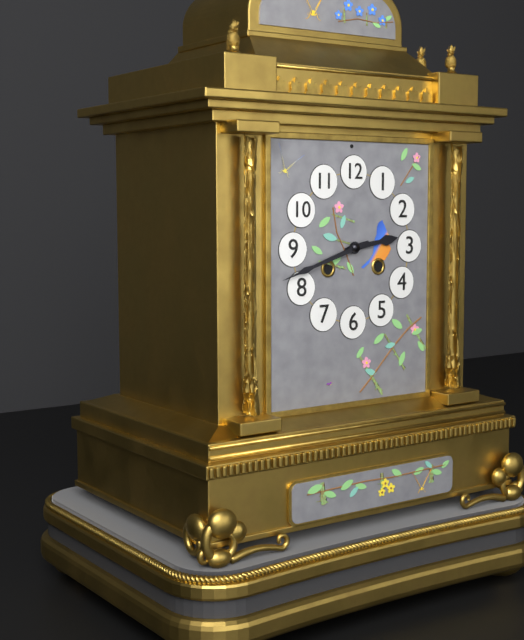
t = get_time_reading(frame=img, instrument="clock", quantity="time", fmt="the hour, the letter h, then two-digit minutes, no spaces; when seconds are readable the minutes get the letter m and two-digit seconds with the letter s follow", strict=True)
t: 2h42
